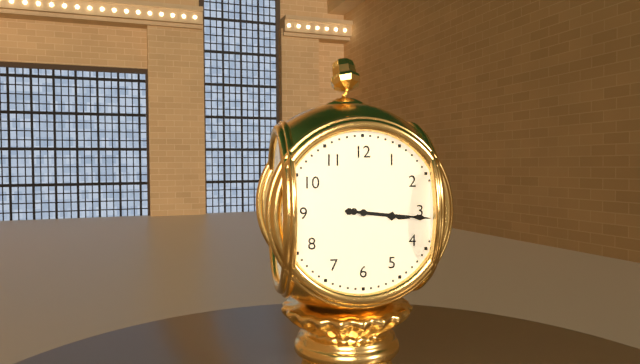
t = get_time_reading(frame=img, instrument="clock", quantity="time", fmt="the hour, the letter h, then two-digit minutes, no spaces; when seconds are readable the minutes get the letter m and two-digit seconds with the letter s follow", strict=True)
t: 3h16
